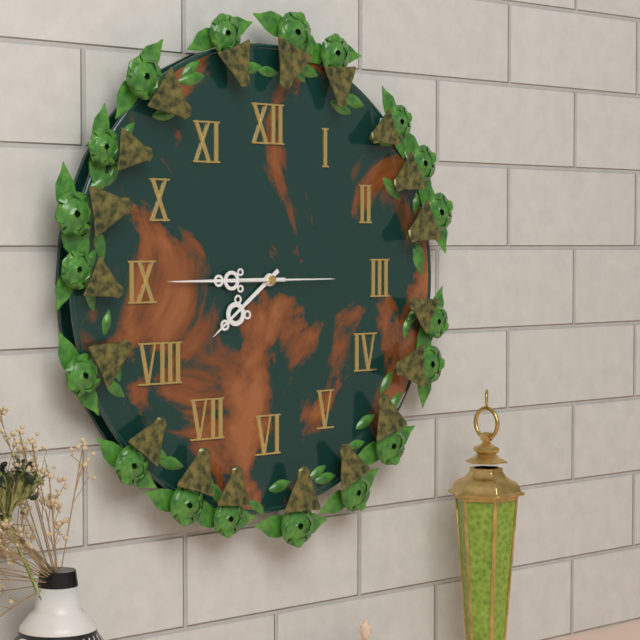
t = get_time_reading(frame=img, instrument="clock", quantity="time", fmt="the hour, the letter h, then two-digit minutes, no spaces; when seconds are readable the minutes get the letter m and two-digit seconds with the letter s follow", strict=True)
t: 7h45m15s
